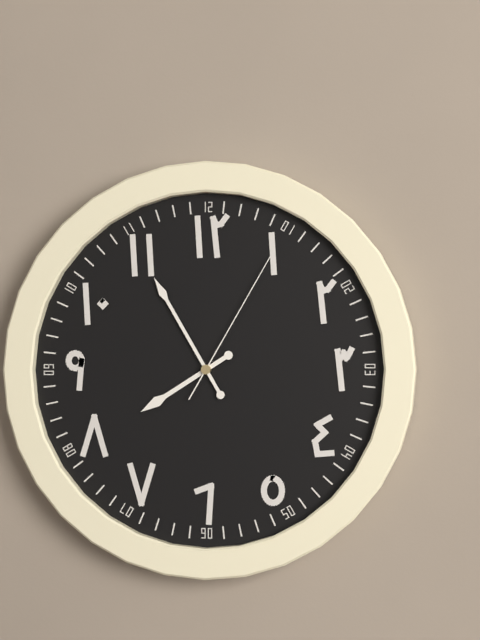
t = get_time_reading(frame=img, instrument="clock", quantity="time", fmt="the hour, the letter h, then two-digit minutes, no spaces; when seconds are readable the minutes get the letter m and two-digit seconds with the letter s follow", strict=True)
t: 7h55m05s
